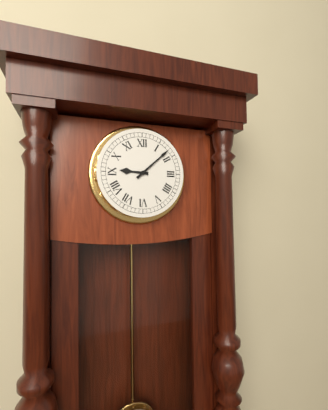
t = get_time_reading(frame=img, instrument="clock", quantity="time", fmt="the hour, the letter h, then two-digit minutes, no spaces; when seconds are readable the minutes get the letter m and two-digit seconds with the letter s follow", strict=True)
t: 9h08
